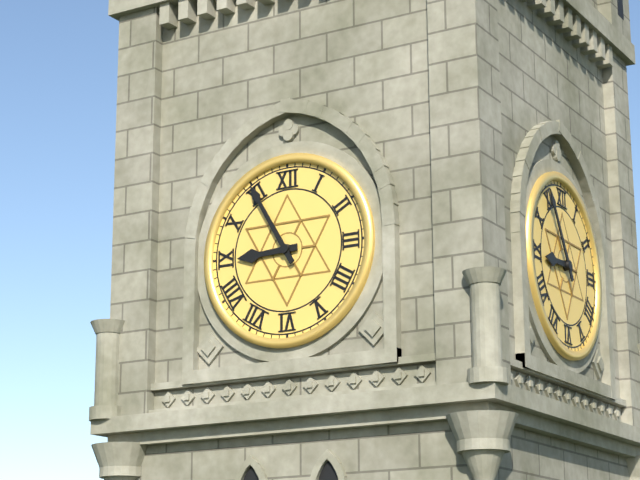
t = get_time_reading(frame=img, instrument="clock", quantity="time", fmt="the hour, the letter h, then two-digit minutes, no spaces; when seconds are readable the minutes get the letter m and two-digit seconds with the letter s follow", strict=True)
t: 8h55
